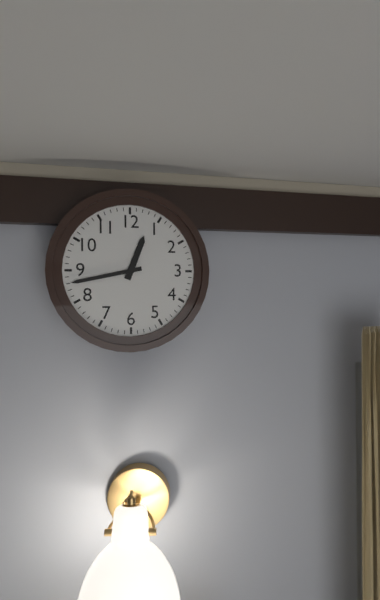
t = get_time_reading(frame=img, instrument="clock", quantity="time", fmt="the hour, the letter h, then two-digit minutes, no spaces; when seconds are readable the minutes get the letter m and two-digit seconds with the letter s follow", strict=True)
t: 12h43
